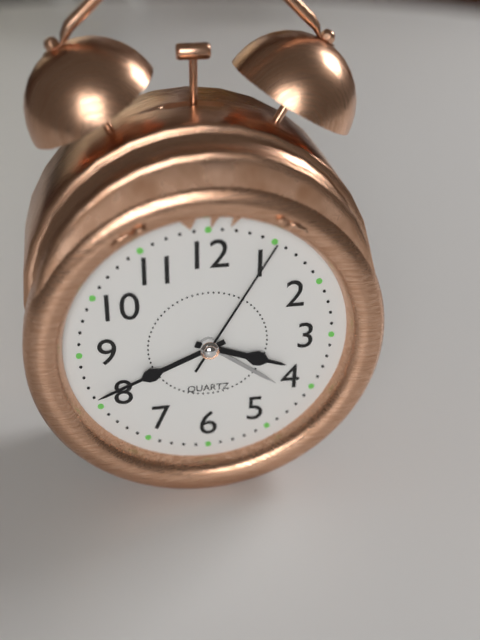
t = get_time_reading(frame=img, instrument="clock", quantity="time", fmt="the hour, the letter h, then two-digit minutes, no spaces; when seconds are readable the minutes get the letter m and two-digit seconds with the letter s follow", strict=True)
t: 3h41m05s
